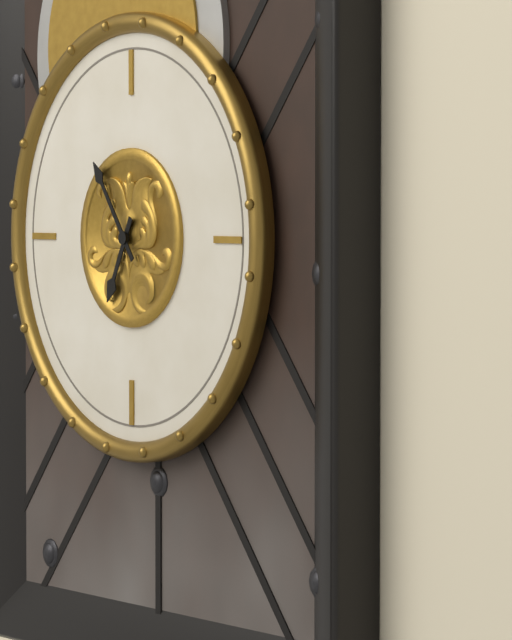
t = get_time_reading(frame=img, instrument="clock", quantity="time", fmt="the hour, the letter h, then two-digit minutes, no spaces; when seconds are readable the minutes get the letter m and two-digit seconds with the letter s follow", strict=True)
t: 6h54
